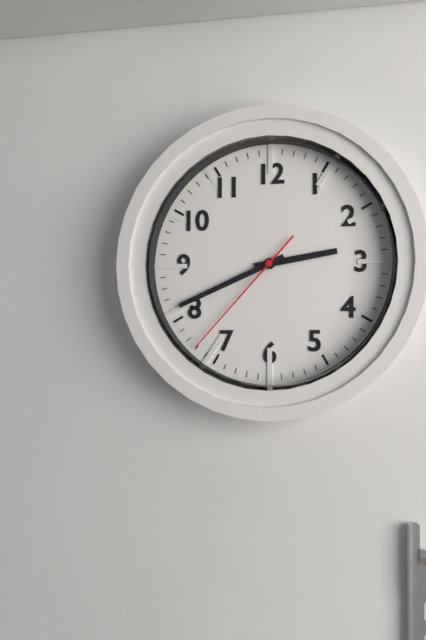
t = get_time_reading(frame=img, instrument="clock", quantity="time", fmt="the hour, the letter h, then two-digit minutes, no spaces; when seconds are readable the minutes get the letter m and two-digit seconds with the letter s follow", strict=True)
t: 2h41m37s
